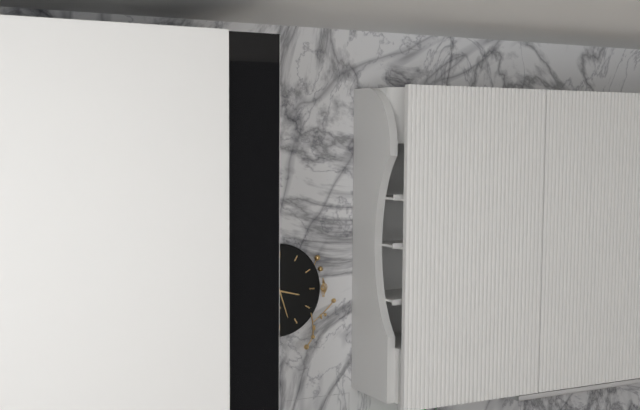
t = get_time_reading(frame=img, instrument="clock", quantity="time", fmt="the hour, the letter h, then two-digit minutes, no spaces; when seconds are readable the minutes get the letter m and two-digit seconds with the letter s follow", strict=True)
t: 3h27
